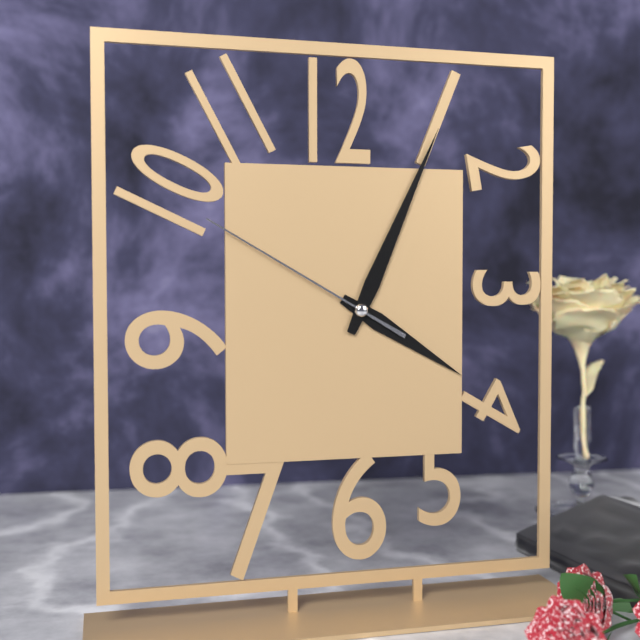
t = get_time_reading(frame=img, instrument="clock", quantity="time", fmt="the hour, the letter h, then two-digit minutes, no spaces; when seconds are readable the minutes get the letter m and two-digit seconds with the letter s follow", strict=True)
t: 4h04m50s
